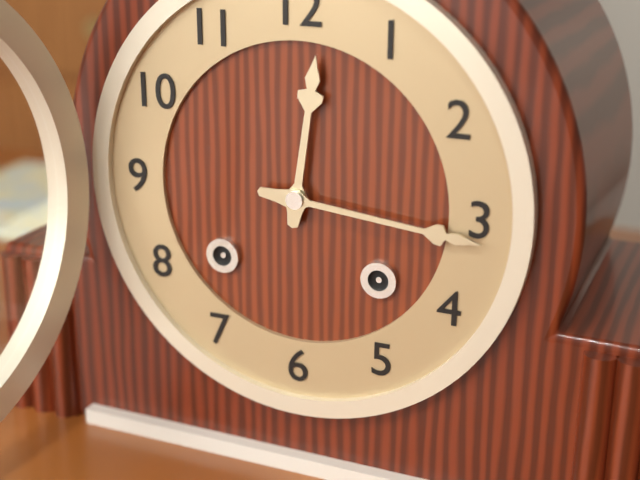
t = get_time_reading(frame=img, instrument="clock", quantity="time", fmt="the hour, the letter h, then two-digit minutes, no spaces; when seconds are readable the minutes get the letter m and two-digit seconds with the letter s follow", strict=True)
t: 12h16
